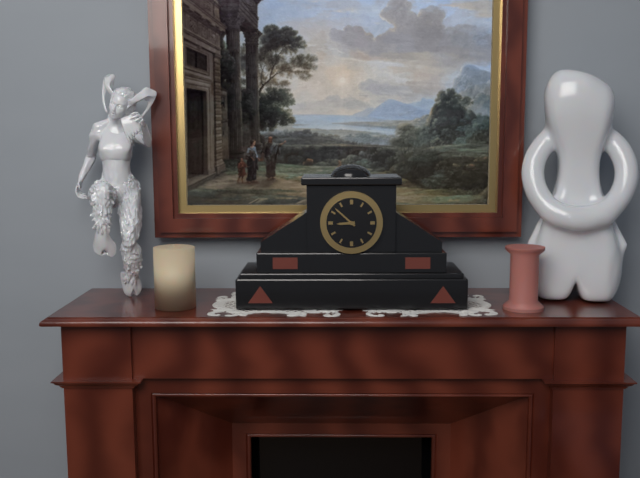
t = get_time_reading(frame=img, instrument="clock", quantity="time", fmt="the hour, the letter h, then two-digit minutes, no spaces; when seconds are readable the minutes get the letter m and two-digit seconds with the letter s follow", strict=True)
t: 8h52
